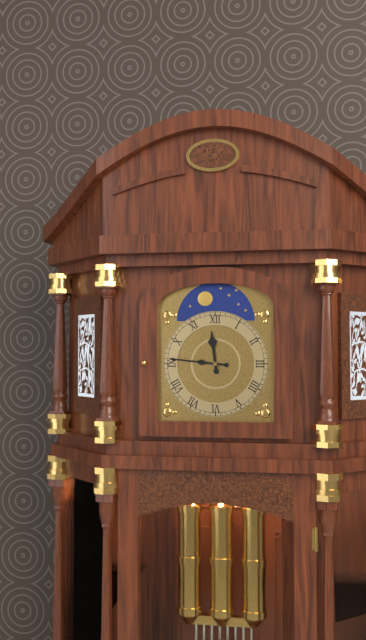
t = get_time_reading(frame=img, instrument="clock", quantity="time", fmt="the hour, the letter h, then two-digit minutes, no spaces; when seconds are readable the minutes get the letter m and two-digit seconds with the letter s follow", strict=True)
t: 11h46
